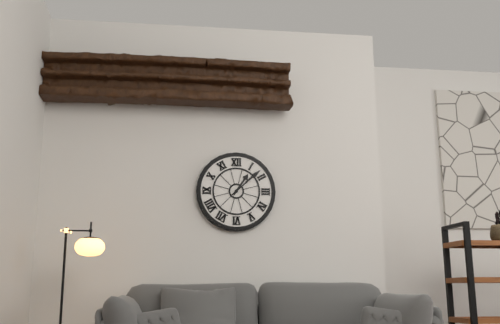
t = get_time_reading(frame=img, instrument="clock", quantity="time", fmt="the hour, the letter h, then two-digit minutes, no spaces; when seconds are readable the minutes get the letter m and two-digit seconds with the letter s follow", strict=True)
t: 1h08
